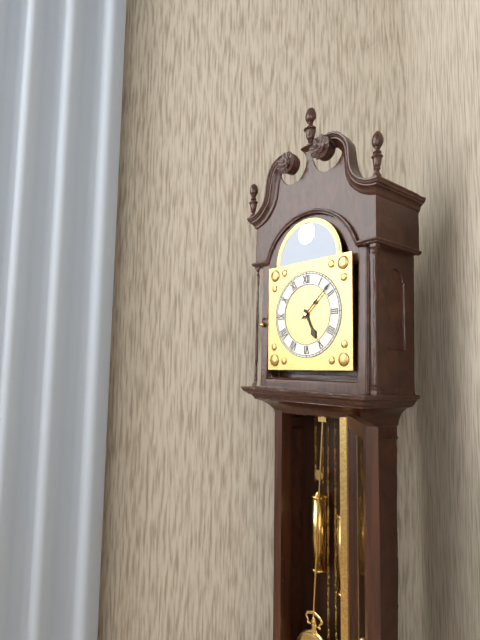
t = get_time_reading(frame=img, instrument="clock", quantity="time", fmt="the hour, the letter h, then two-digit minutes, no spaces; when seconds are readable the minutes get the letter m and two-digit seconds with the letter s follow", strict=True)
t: 5h08
